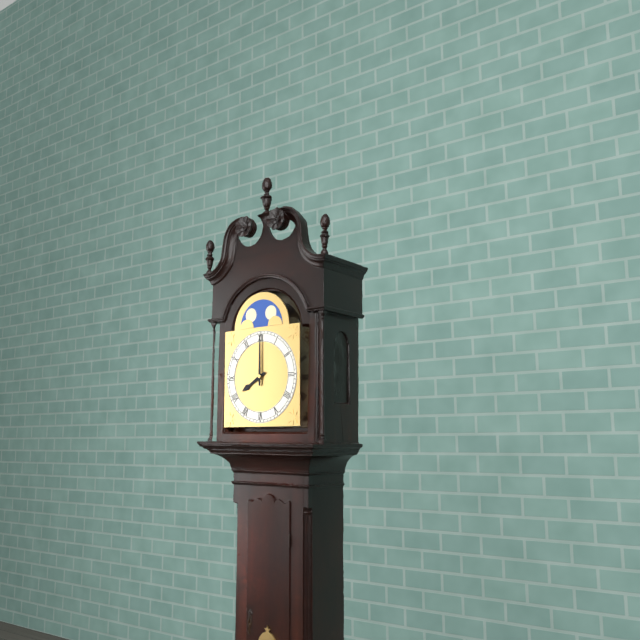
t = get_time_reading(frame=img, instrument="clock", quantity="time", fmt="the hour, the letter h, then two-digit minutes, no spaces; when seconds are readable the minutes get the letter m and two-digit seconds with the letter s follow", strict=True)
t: 8h00
